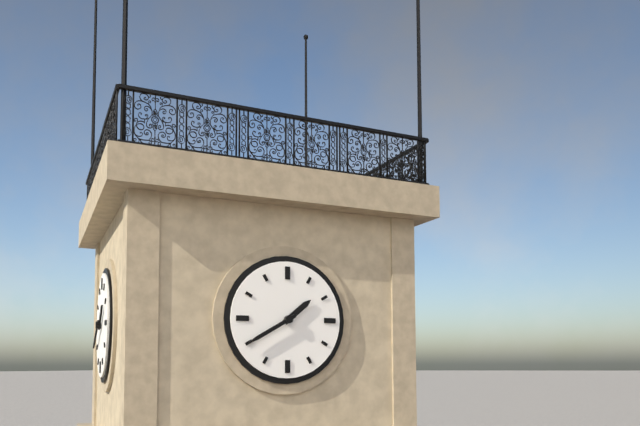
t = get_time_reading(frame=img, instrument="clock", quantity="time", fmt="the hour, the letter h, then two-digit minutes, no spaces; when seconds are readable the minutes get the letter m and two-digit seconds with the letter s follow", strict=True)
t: 1h40
